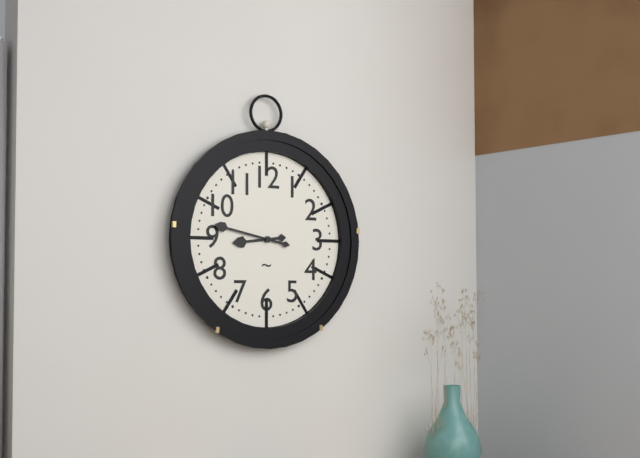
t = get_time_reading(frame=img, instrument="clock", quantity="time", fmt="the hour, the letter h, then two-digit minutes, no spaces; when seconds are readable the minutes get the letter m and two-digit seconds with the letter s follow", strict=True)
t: 8h47
